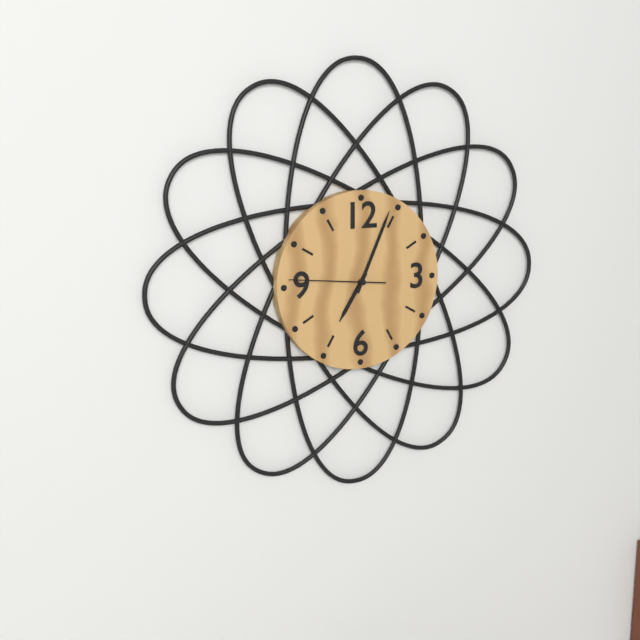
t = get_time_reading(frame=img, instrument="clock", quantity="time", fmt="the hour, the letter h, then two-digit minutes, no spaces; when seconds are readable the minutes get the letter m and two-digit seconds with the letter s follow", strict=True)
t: 7h04m46s
